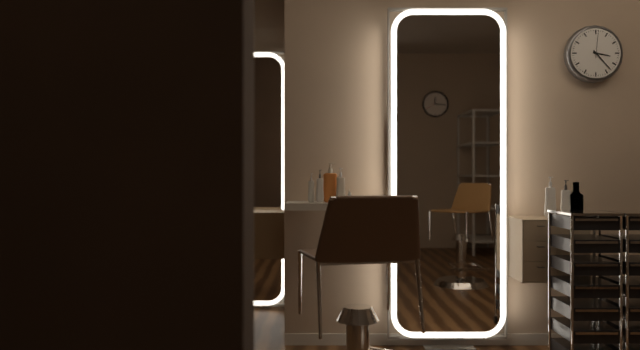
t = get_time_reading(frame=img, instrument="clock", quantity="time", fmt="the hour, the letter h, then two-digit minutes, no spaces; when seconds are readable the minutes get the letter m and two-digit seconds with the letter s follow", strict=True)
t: 3h23
